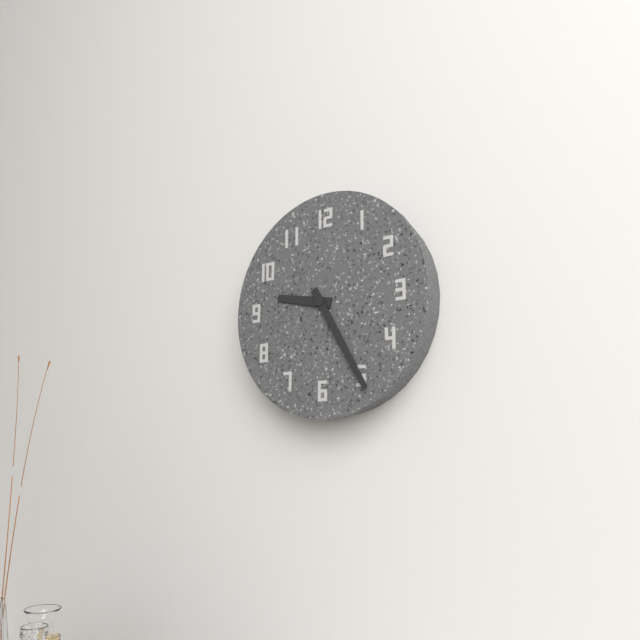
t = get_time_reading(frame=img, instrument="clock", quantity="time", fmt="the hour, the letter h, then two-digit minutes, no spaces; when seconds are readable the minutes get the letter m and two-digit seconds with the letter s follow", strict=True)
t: 9h25
